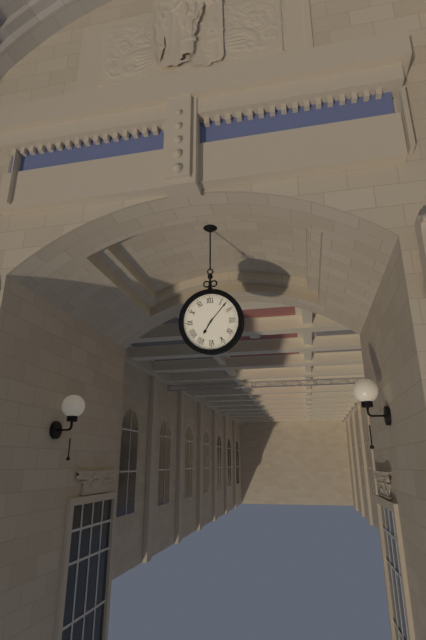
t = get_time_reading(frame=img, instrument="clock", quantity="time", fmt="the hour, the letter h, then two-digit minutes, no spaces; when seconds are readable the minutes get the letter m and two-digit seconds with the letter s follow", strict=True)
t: 7h07
